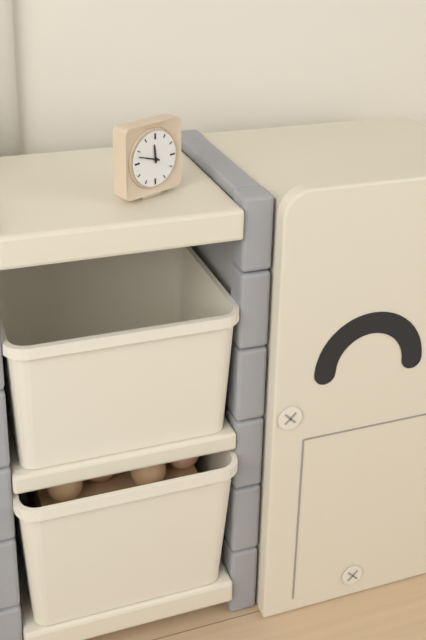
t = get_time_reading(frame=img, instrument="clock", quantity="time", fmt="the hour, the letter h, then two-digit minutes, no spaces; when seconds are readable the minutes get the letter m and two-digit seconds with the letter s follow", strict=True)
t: 11h48
